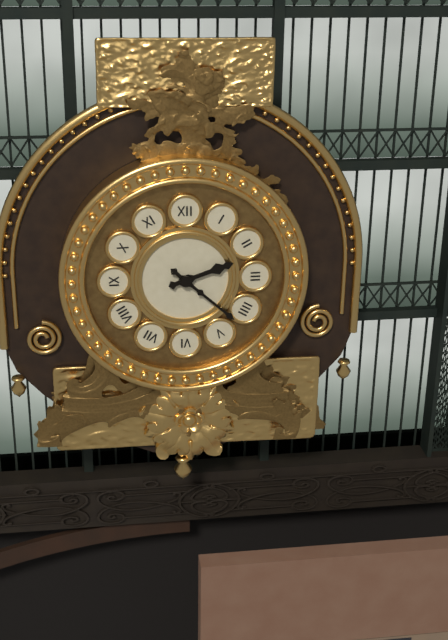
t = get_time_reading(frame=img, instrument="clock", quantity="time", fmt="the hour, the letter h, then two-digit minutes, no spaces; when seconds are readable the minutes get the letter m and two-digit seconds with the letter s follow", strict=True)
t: 2h22
